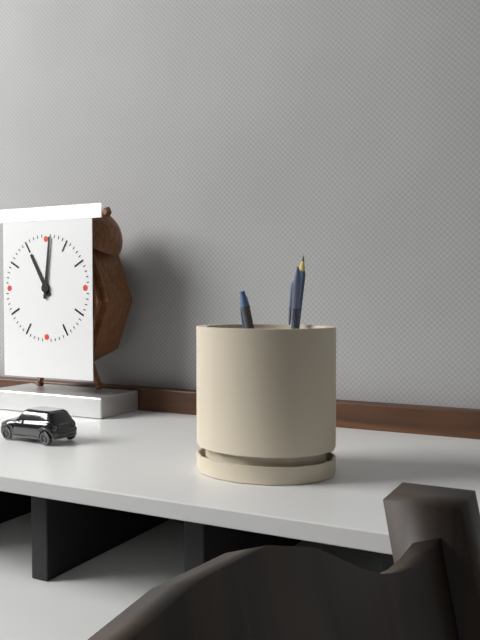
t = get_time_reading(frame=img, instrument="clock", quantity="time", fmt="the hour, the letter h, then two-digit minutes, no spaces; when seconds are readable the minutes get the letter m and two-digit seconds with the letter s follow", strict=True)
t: 11h01
